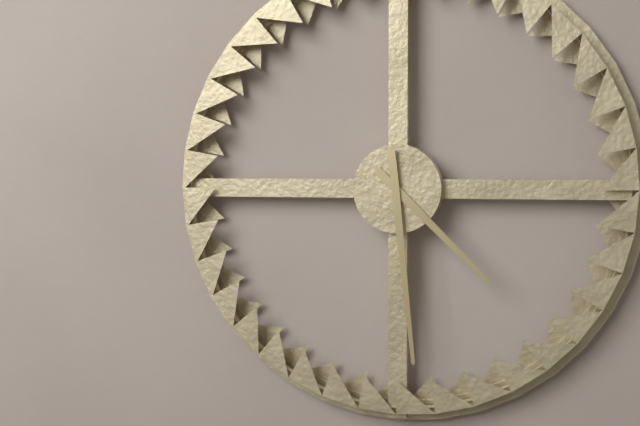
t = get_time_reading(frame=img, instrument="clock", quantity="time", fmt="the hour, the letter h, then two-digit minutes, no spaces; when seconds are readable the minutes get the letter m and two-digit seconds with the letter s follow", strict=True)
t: 4h29
